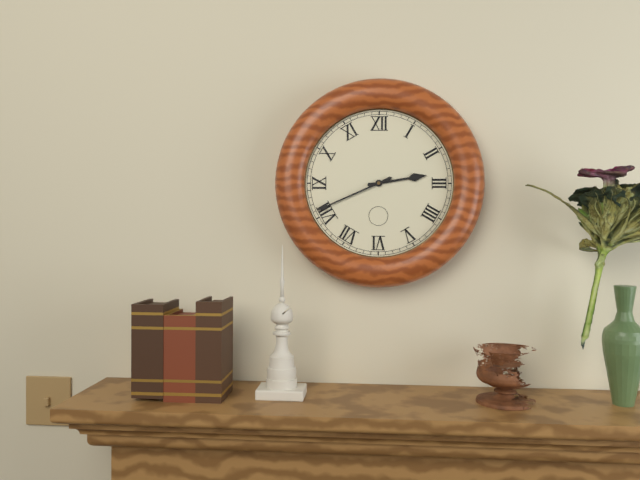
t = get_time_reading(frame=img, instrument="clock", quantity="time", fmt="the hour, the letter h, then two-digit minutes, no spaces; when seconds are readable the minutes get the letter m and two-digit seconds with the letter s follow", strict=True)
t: 2h41
